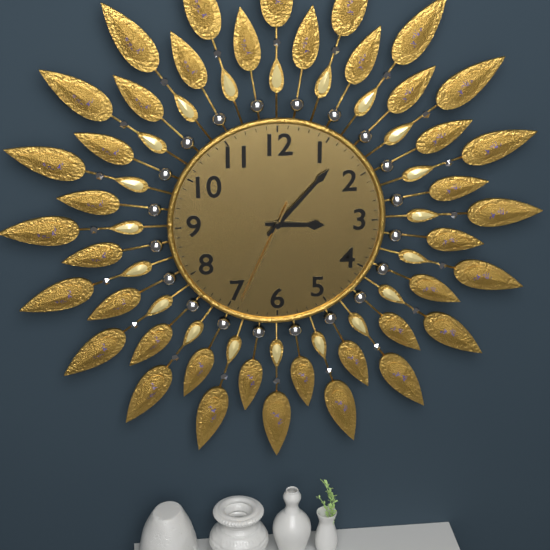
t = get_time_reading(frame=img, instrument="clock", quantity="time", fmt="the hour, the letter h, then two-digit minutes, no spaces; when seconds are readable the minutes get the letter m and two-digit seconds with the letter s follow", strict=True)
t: 3h07m34s
